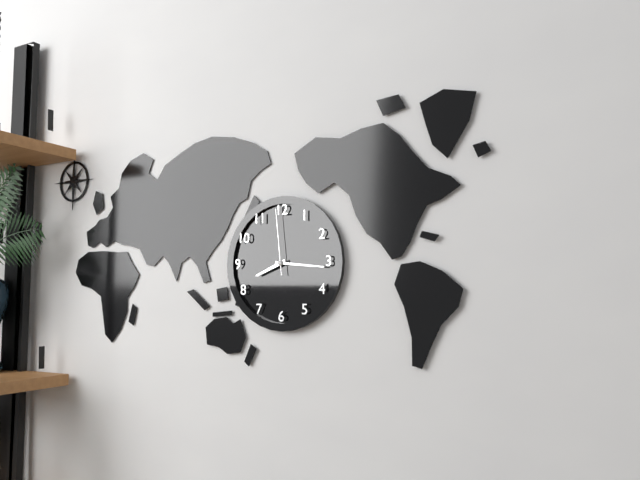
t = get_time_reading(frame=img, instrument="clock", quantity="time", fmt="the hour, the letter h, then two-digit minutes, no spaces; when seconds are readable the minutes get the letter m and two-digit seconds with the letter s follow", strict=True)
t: 8h16m59s
